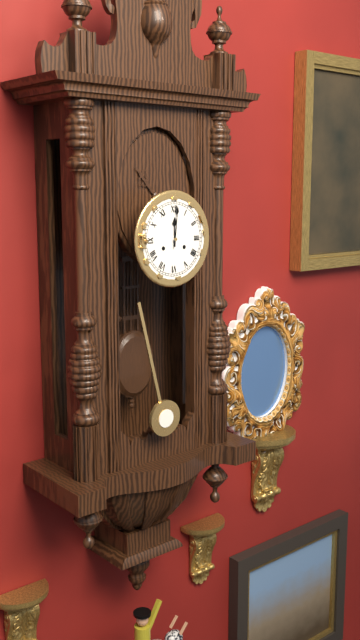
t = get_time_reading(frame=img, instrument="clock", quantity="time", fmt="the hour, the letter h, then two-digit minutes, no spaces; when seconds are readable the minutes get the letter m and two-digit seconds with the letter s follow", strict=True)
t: 12h01
